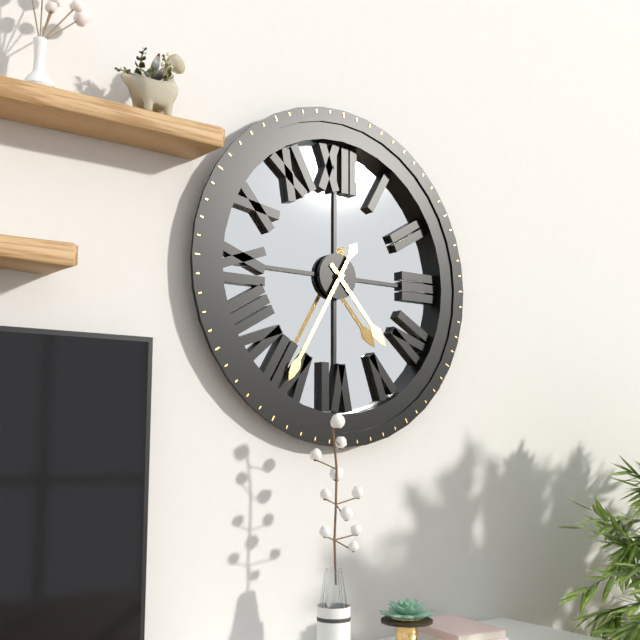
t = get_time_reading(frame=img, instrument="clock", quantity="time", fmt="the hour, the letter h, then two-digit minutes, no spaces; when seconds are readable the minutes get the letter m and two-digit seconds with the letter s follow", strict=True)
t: 4h35
